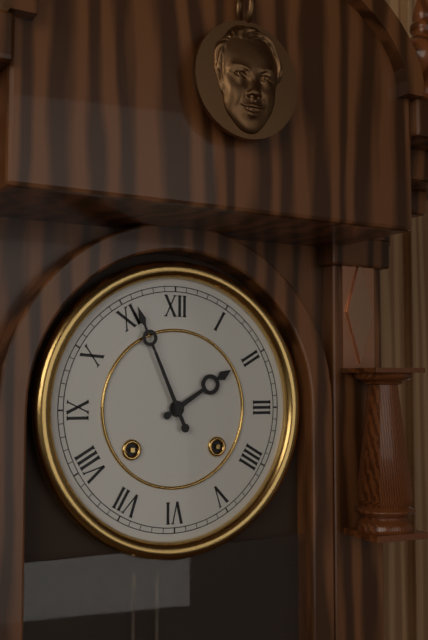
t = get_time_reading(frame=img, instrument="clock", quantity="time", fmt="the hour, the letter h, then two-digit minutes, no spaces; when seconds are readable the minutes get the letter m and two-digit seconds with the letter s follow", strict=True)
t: 1h56
